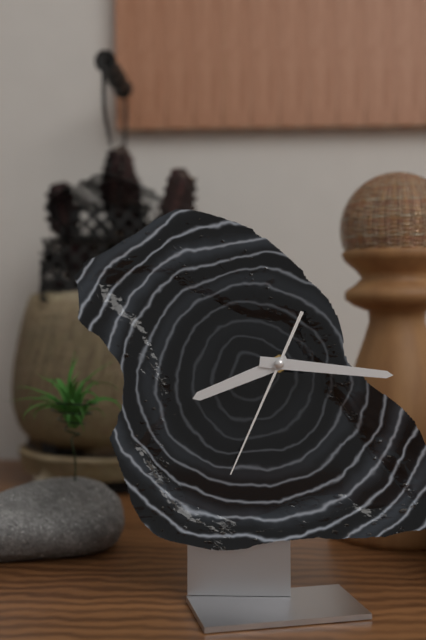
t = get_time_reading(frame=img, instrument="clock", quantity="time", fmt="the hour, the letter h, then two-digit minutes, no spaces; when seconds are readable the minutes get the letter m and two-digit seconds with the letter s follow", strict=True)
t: 8h16m34s
